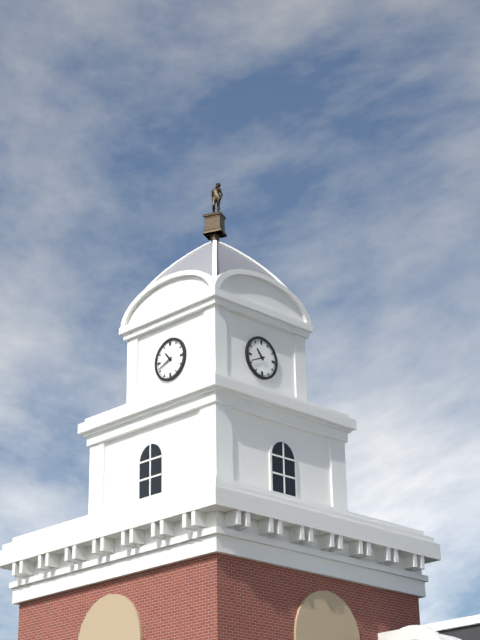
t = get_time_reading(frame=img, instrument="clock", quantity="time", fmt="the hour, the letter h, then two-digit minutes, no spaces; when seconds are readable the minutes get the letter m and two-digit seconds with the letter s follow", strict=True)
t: 10h41
